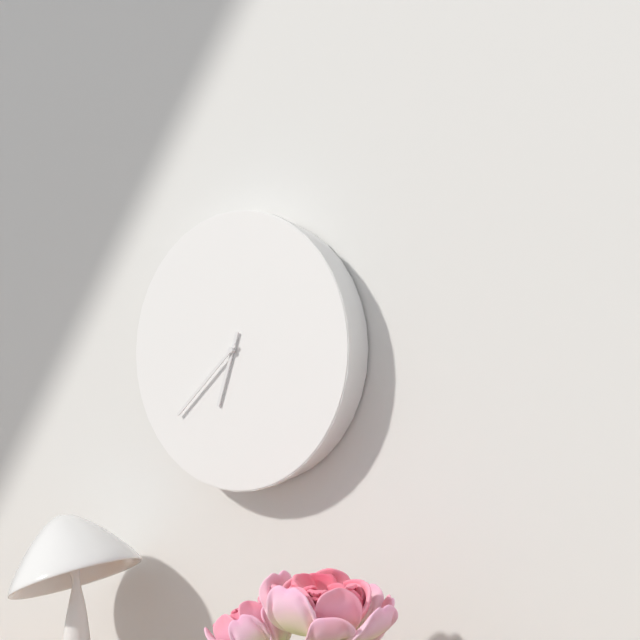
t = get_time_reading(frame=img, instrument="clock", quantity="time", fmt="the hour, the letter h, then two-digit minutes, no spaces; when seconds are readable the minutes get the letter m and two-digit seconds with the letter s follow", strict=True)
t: 6h38
